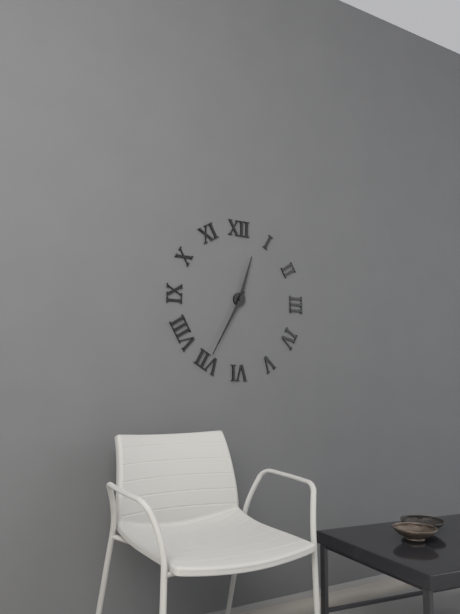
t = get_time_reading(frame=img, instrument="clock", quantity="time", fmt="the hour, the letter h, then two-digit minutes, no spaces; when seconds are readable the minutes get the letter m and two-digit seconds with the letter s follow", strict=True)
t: 12h35
